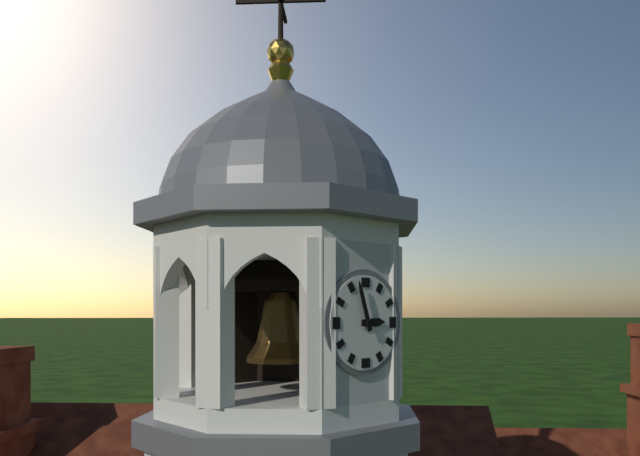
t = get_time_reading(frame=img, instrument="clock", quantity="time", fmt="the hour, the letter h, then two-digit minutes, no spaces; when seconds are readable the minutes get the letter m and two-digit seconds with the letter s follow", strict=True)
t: 2h57
